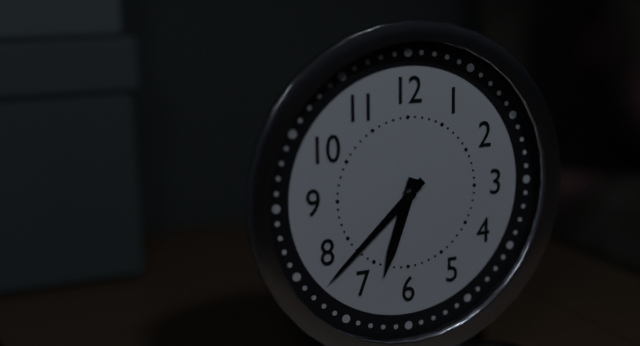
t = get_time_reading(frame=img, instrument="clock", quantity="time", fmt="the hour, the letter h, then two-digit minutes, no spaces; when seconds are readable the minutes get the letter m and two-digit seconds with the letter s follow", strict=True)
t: 6h38
